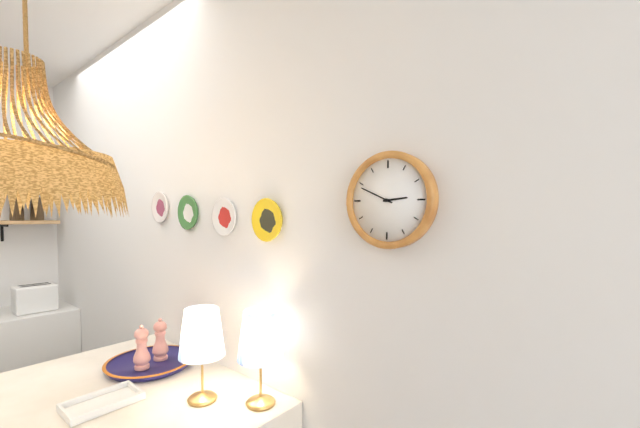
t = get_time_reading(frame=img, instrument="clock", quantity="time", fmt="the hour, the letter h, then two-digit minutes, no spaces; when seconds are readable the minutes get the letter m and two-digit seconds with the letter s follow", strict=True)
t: 2h49
